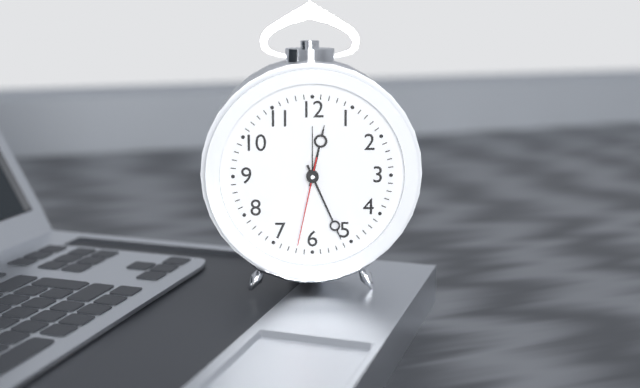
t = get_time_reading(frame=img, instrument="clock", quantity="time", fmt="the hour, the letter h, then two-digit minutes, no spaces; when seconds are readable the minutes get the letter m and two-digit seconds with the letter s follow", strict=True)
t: 12h26m32s
